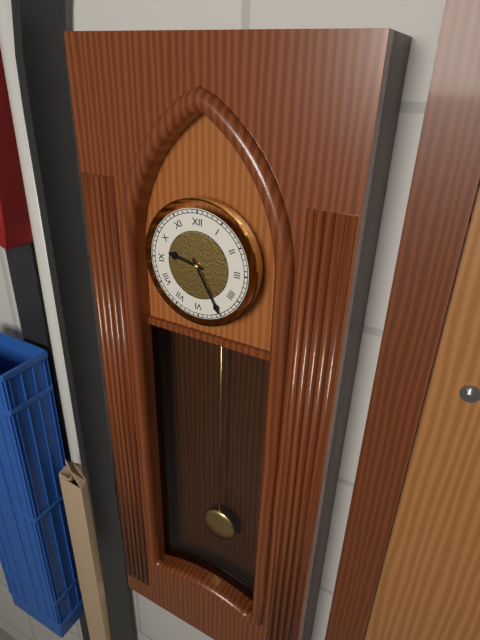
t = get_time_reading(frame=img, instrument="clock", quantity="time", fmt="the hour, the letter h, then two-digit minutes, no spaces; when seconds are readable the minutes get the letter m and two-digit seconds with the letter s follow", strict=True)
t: 9h25
